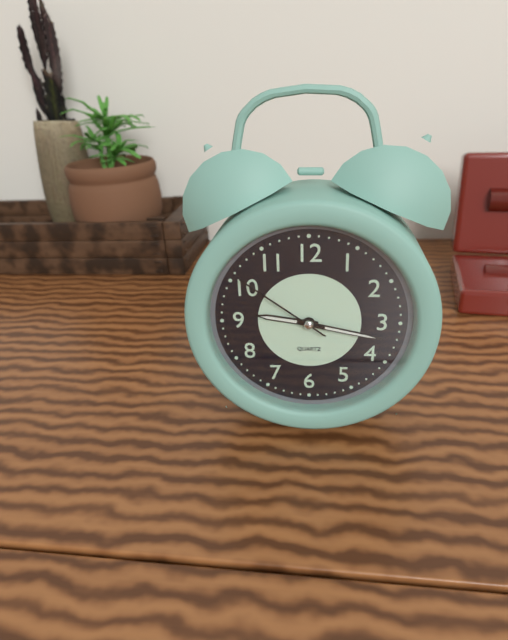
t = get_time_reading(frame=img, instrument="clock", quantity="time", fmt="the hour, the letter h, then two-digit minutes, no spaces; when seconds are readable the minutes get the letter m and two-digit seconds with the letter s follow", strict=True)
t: 9h17m51s
